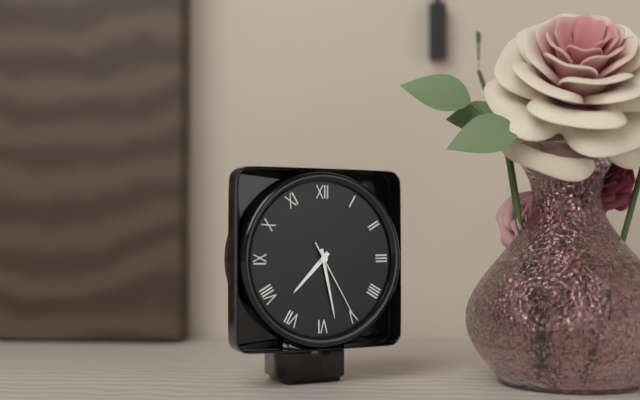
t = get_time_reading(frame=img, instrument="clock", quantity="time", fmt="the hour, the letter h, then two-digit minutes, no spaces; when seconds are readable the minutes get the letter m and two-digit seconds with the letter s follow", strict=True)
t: 7h28m25s
